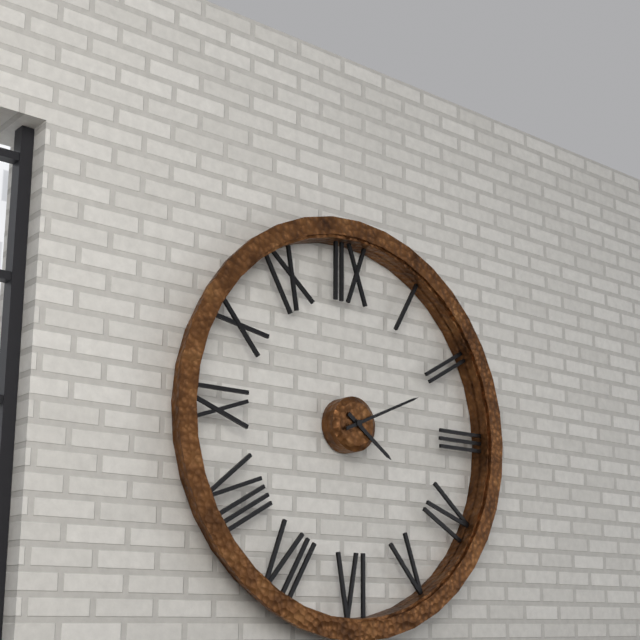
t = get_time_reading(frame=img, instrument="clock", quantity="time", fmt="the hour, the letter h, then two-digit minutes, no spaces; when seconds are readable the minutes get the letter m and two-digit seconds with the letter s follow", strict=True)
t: 4h11
